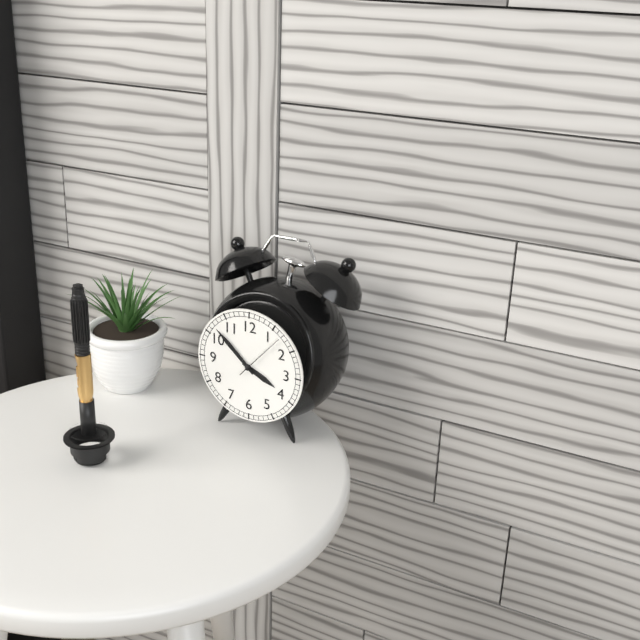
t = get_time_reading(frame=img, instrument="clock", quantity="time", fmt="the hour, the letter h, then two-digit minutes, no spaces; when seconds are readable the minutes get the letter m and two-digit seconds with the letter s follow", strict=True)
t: 3h52
